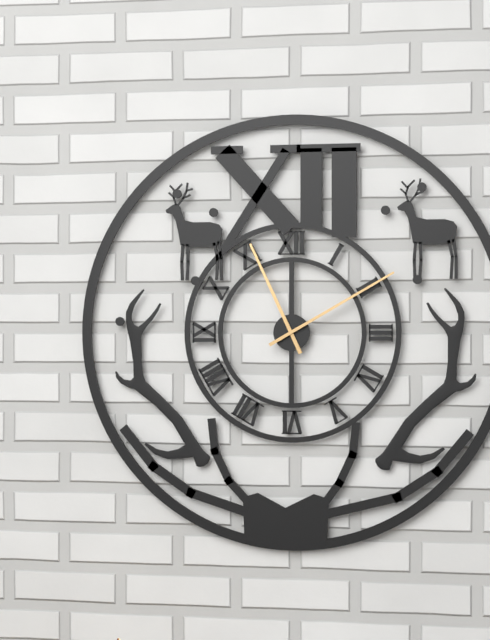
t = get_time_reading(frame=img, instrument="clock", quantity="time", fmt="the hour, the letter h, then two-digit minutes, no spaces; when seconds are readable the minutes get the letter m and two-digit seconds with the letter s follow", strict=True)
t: 11h10
